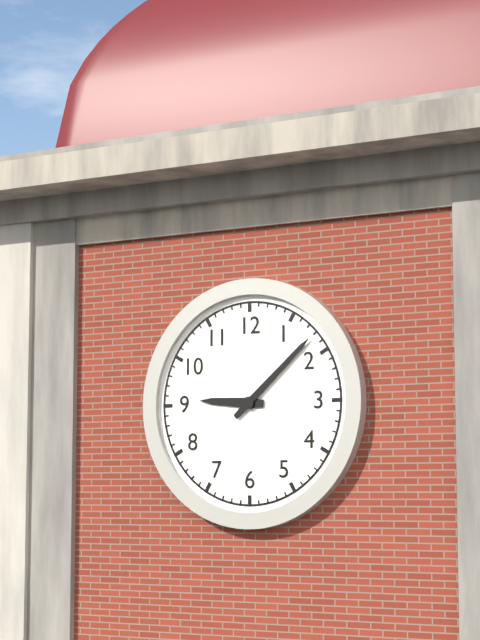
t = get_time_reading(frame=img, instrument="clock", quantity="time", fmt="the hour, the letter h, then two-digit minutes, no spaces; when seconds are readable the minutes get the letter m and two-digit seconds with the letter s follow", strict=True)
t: 9h08
